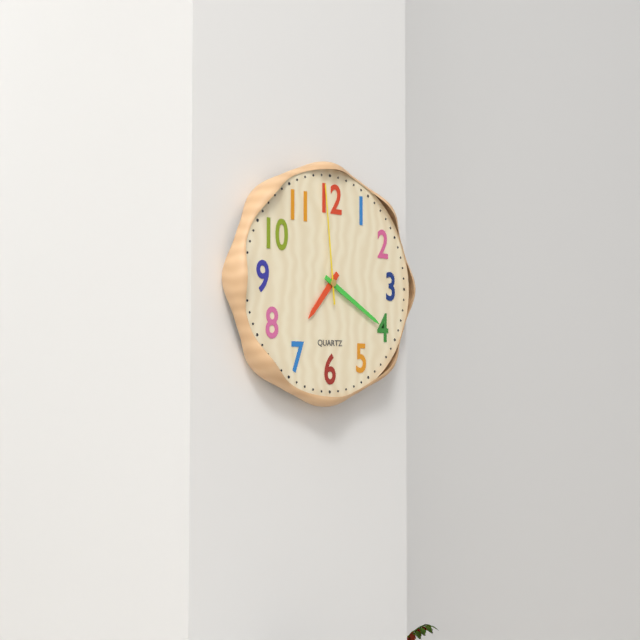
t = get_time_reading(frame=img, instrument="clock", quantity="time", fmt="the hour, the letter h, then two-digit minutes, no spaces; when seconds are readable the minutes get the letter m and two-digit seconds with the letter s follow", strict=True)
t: 7h20m59s
